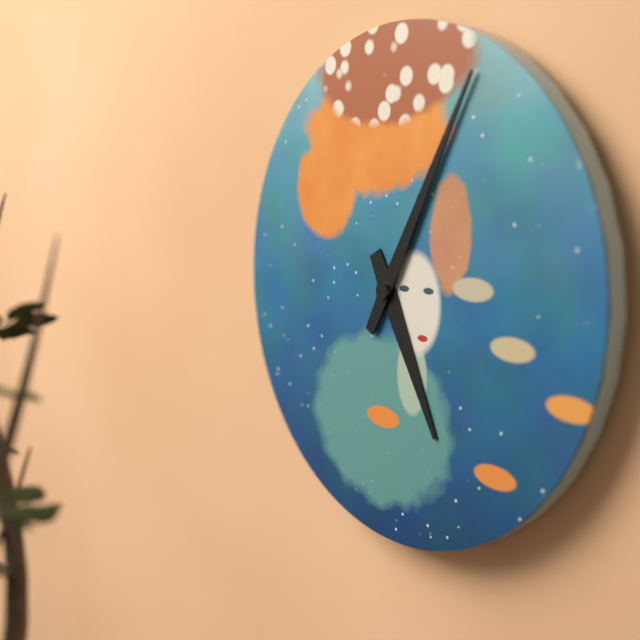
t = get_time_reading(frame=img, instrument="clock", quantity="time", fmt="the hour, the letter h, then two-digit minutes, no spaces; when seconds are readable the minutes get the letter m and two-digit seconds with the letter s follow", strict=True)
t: 5h05
